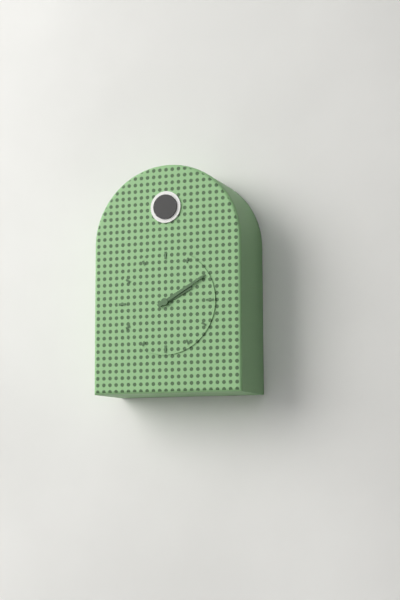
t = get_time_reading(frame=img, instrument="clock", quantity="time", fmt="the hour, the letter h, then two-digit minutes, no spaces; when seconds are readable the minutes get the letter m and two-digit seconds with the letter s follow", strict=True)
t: 2h10
